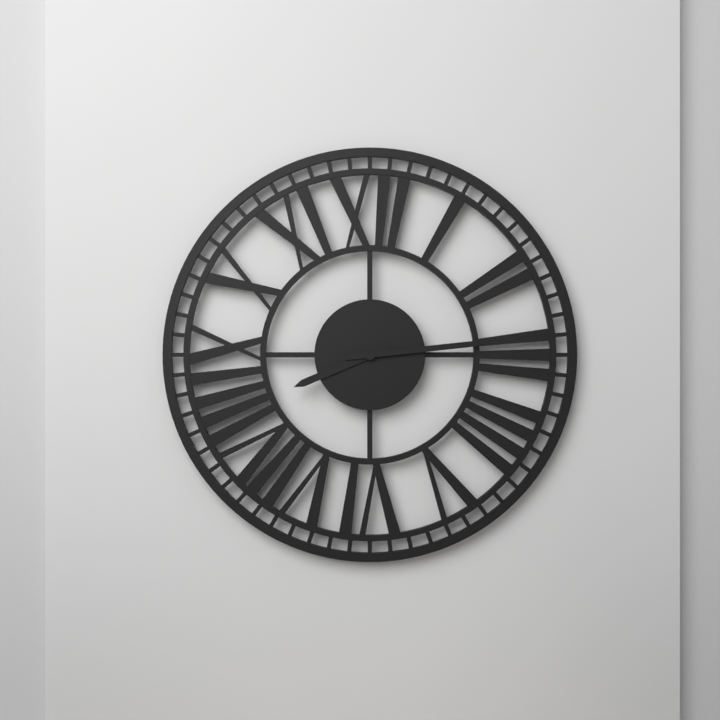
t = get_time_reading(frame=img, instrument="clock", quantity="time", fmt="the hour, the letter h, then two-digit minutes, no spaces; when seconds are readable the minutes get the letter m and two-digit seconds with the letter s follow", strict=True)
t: 8h14
